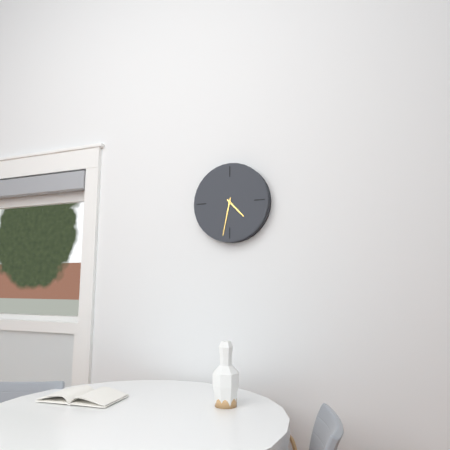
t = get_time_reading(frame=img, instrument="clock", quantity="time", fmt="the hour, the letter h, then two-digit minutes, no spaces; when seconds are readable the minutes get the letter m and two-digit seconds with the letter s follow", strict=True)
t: 4h32
